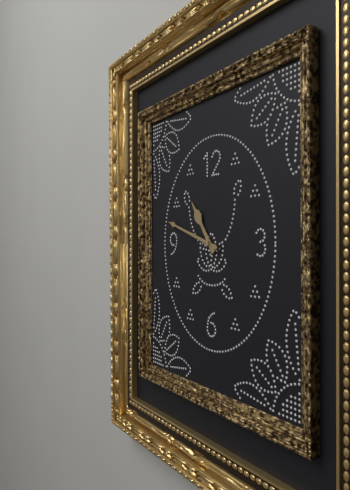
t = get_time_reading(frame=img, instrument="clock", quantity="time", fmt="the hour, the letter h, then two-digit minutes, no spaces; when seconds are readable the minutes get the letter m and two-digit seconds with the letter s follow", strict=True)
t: 10h48
